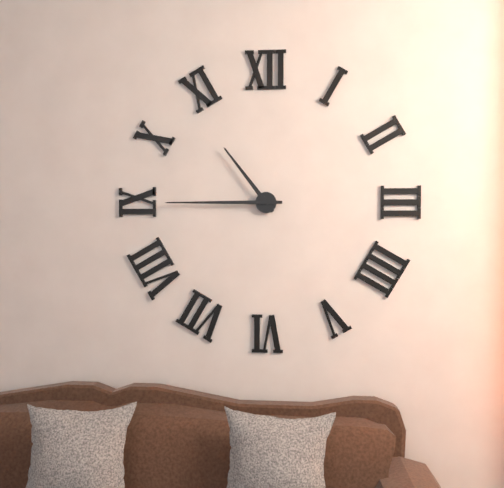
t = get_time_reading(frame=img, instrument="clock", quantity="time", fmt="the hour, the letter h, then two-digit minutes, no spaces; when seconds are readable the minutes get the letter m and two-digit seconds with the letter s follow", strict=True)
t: 10h45
